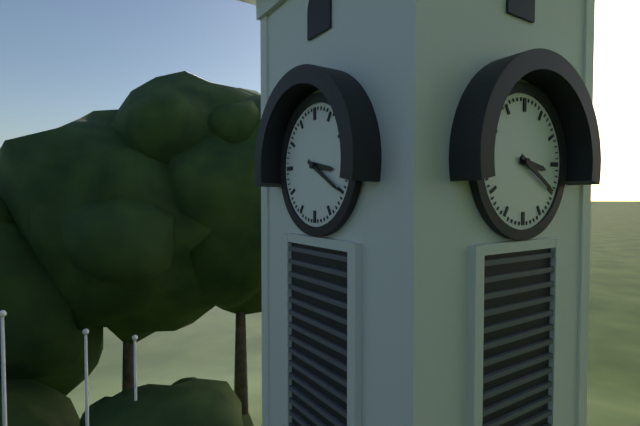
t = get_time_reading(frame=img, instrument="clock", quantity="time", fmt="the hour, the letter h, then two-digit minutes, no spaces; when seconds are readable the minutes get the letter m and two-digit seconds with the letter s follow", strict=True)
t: 3h20
